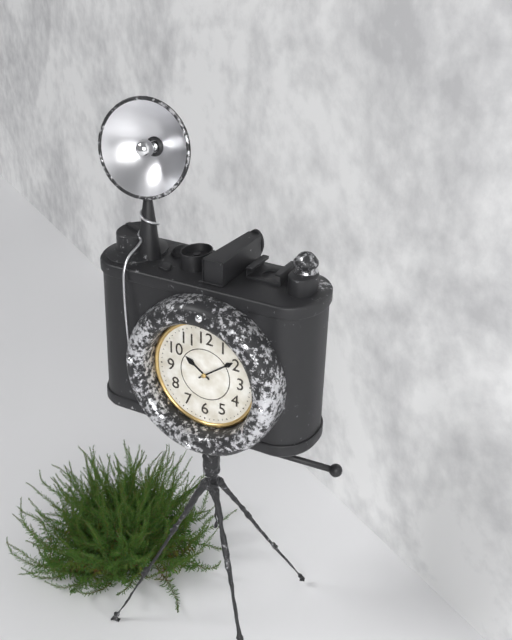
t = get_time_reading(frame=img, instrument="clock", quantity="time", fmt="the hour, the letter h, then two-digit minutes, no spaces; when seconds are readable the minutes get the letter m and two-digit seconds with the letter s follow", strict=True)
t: 10h09
